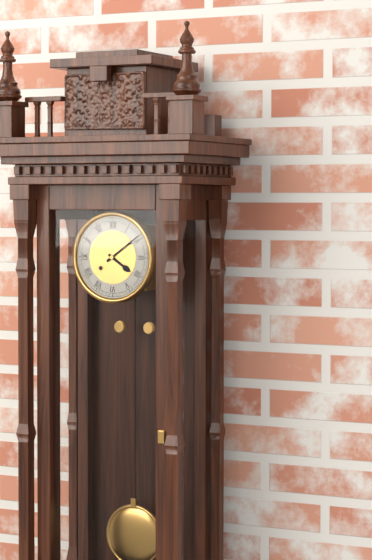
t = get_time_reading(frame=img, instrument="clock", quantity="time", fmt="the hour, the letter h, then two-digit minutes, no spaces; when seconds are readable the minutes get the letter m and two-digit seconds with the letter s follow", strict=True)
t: 4h09
